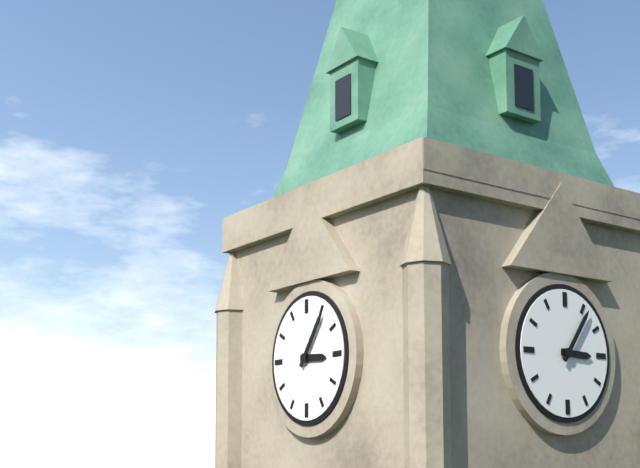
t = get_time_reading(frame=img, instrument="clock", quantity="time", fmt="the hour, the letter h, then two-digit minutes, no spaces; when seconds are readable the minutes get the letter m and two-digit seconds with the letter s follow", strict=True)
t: 3h06
